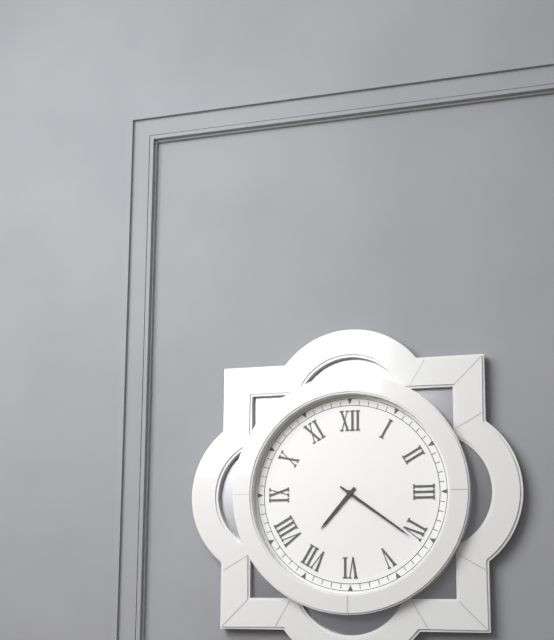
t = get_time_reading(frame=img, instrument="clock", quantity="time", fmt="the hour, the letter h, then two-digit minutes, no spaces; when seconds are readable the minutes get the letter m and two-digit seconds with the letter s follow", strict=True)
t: 7h21
